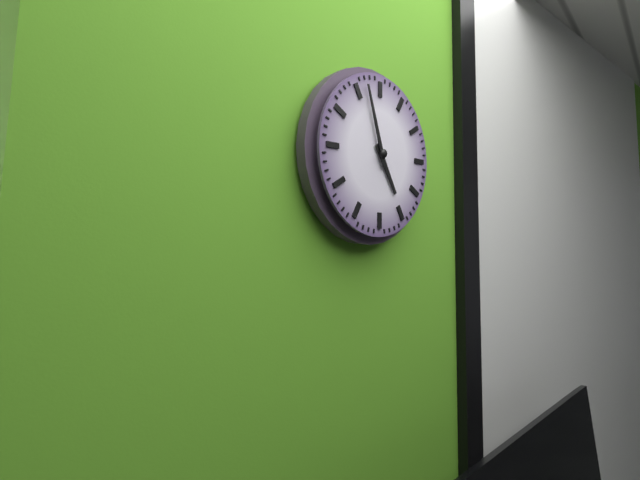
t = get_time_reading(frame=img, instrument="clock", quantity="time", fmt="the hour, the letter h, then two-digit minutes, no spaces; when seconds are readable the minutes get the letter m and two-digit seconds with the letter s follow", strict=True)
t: 4h57
